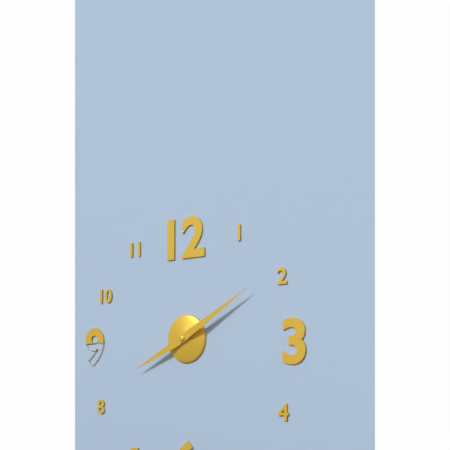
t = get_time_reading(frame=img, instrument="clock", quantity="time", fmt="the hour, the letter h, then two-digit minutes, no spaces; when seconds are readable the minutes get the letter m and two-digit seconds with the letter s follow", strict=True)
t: 8h10
